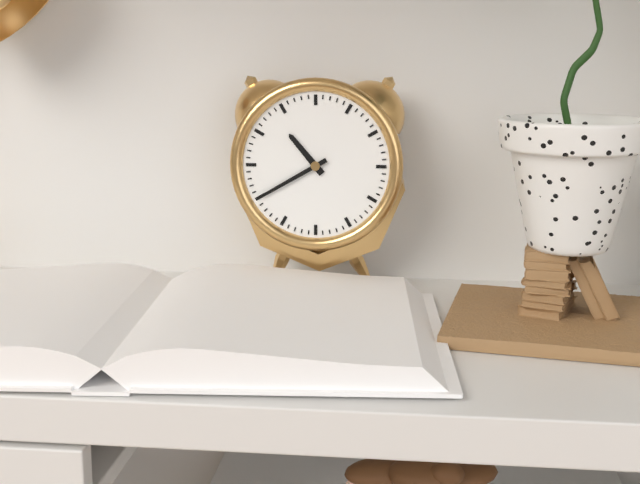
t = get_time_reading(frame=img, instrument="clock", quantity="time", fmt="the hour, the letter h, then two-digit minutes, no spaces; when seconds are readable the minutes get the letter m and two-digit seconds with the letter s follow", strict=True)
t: 10h40
